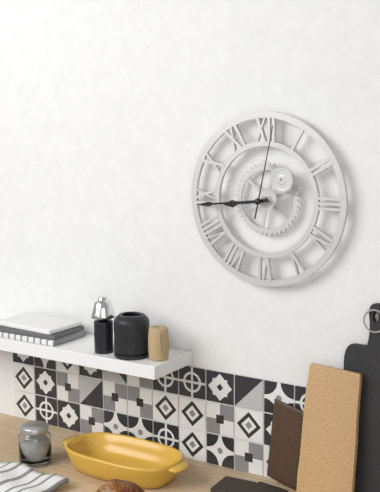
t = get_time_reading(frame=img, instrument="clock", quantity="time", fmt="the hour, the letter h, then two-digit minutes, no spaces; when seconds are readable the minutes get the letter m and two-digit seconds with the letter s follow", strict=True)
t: 8h44m02s
